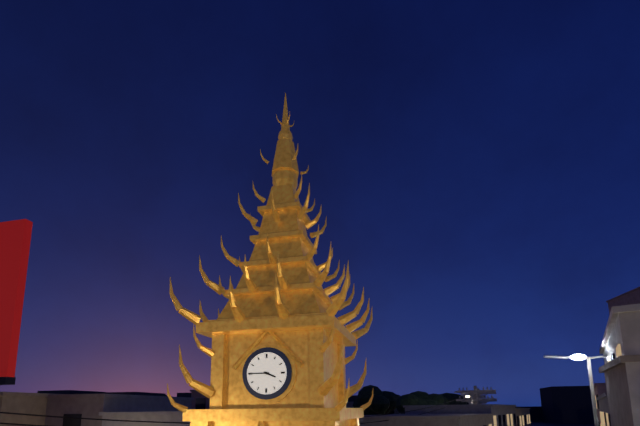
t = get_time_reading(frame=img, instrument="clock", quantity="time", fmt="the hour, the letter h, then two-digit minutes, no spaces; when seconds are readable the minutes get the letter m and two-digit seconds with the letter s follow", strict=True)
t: 3h45
